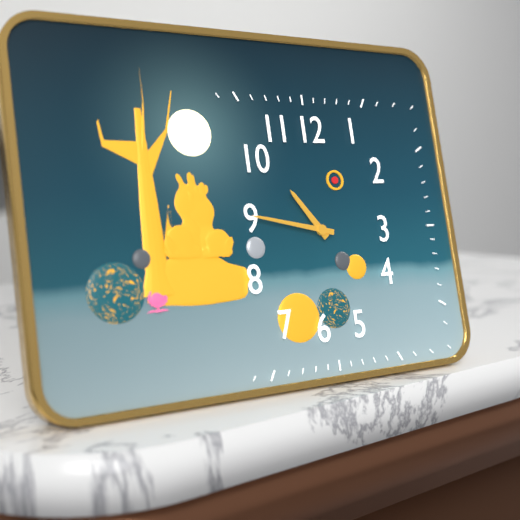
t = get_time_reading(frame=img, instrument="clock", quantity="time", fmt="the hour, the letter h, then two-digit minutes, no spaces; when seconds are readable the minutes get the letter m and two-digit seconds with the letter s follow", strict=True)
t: 10h47
